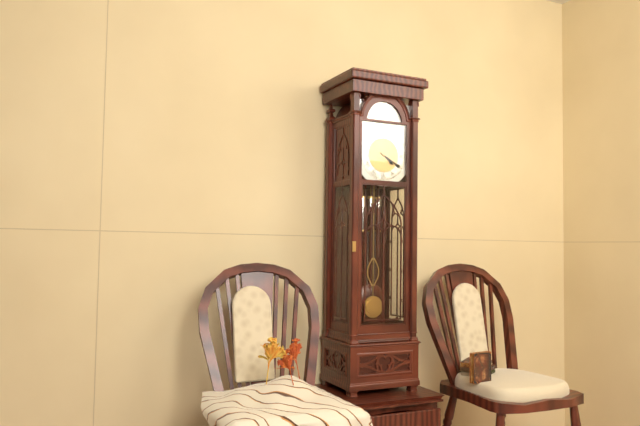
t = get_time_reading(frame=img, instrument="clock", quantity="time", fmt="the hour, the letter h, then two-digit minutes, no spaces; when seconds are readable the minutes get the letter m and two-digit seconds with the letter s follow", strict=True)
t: 4h20
